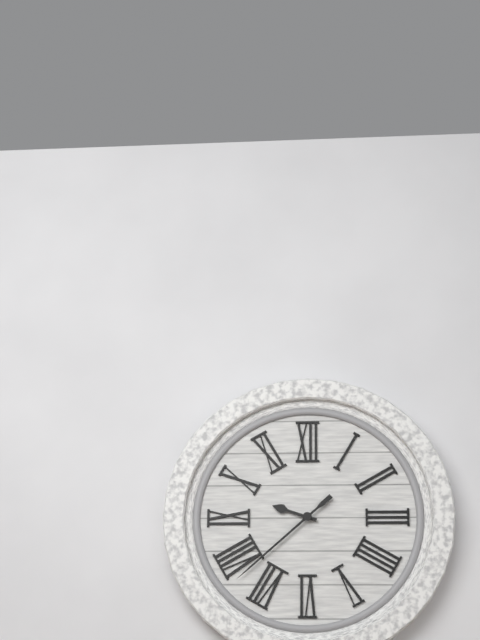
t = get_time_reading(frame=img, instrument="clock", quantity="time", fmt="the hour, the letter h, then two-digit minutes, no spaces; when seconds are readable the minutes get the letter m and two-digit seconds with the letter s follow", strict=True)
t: 9h38
